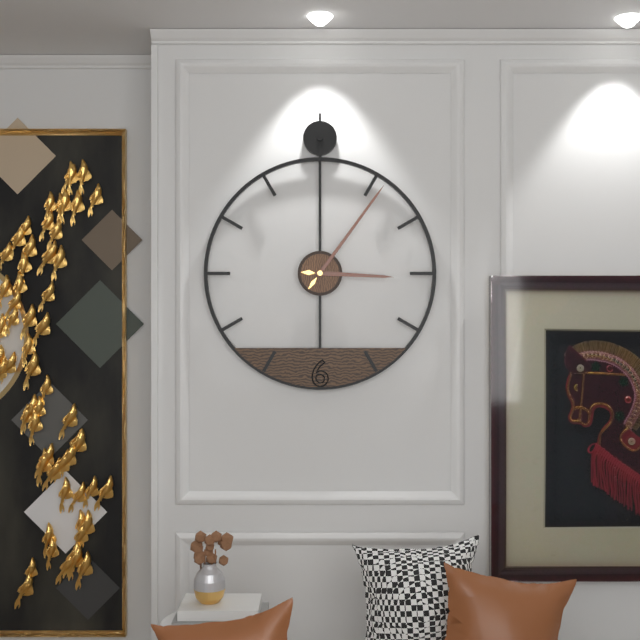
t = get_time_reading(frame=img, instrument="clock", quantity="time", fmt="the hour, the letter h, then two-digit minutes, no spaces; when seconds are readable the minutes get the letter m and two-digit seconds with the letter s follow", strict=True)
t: 3h06
